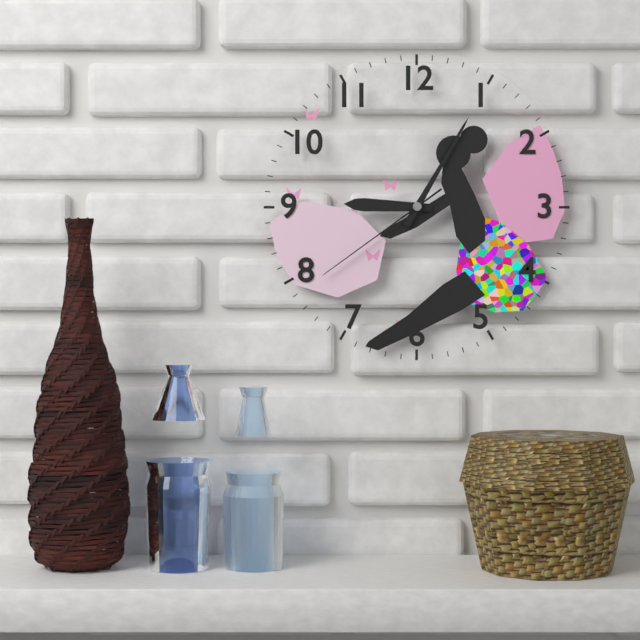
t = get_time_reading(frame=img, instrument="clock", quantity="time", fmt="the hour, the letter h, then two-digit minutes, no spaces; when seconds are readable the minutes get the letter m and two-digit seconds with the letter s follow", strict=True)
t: 9h05m39s
